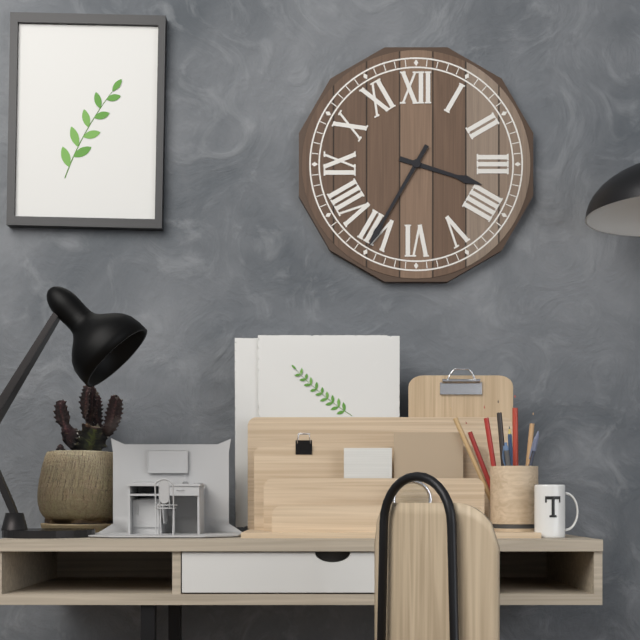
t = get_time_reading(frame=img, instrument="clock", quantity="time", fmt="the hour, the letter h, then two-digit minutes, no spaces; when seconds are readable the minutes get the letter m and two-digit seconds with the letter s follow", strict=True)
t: 3h35
